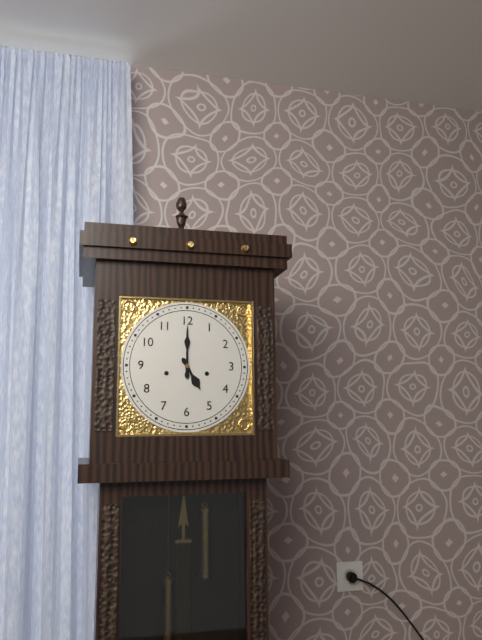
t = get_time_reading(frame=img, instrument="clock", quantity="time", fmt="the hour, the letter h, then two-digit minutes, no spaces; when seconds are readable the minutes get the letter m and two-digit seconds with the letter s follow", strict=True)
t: 5h00
